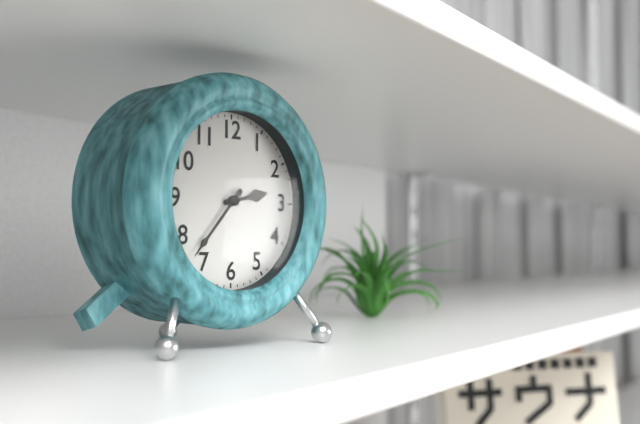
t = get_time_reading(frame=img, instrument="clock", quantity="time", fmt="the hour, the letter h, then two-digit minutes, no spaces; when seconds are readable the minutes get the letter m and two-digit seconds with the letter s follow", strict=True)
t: 2h37
